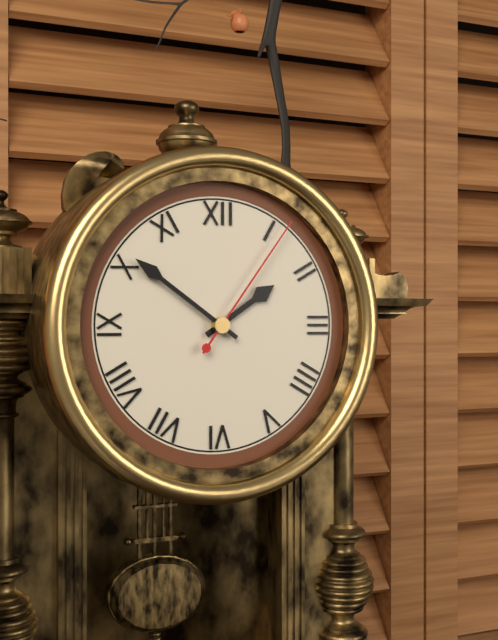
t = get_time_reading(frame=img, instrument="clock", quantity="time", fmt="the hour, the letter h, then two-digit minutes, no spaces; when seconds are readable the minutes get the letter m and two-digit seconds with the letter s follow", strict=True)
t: 1h51m06s
